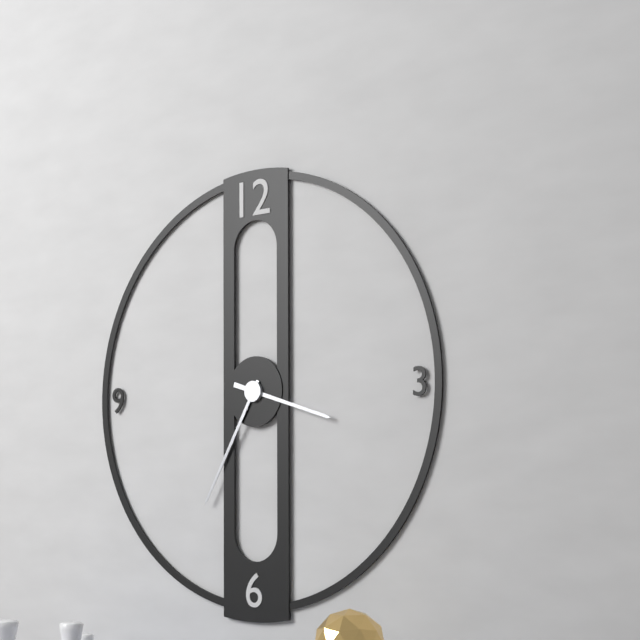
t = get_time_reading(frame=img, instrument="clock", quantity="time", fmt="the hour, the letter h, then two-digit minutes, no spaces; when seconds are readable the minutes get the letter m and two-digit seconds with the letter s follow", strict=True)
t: 3h35
